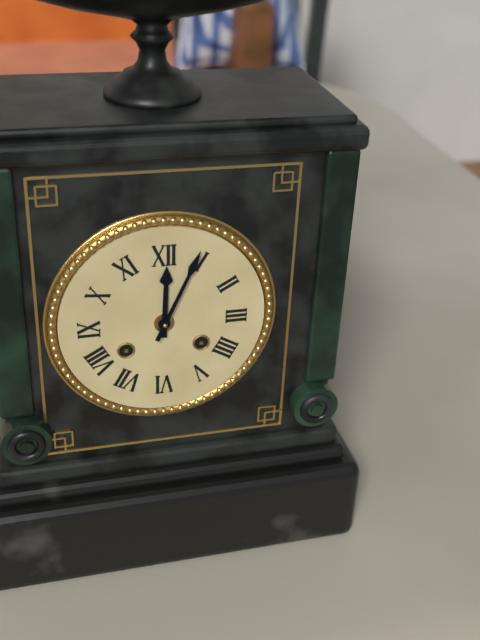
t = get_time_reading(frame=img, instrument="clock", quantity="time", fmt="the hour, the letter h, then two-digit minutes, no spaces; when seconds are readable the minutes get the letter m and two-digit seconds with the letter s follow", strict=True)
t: 12h04
